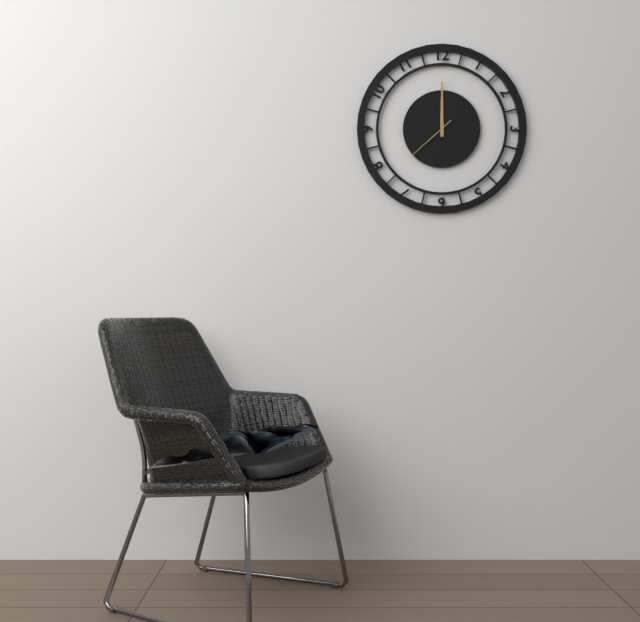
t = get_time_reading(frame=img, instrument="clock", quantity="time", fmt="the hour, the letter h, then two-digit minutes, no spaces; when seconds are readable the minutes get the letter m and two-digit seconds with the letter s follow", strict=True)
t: 12h00m38s
